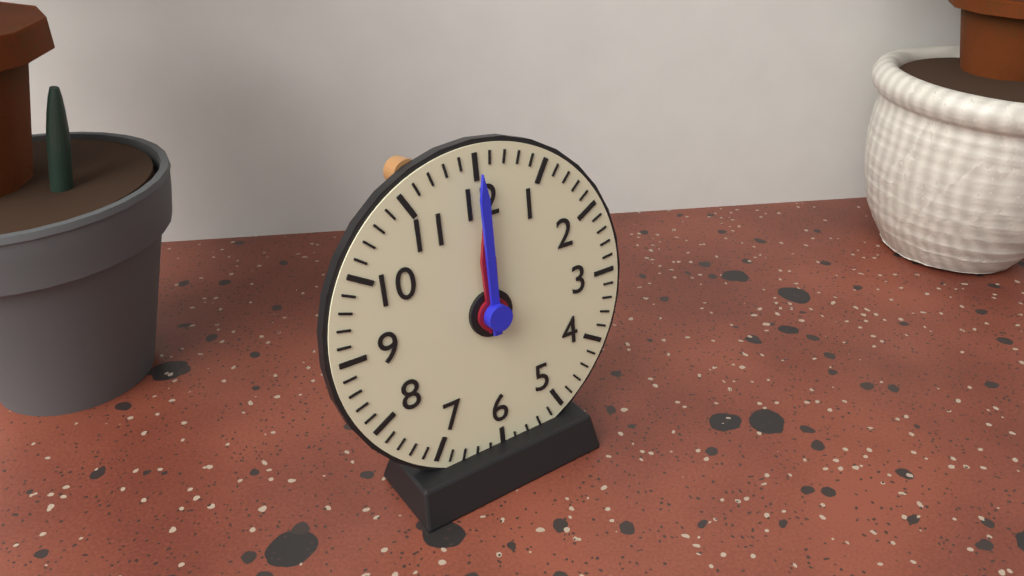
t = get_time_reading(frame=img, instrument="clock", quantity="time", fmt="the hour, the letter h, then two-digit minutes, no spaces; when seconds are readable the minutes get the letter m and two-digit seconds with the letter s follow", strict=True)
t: 12h00
